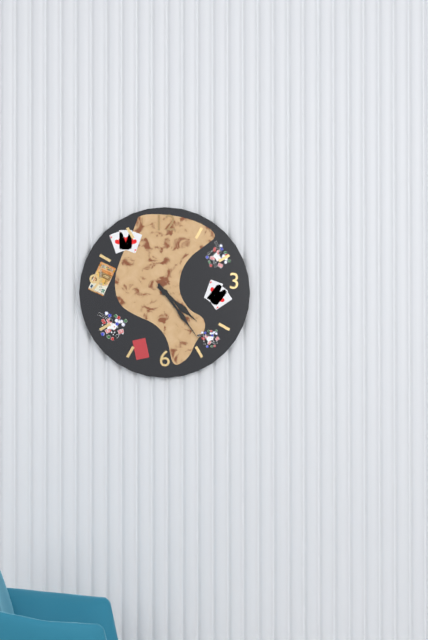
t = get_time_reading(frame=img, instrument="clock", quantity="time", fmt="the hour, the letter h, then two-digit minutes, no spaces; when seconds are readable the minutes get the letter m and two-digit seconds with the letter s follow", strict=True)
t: 4h24
